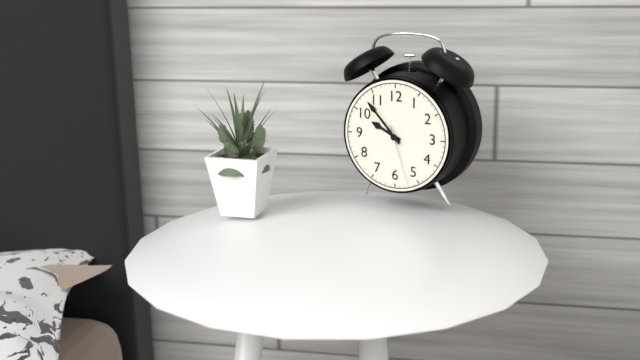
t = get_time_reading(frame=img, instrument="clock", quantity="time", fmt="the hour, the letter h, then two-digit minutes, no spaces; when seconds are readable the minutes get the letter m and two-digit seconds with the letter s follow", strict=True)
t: 9h53m27s
